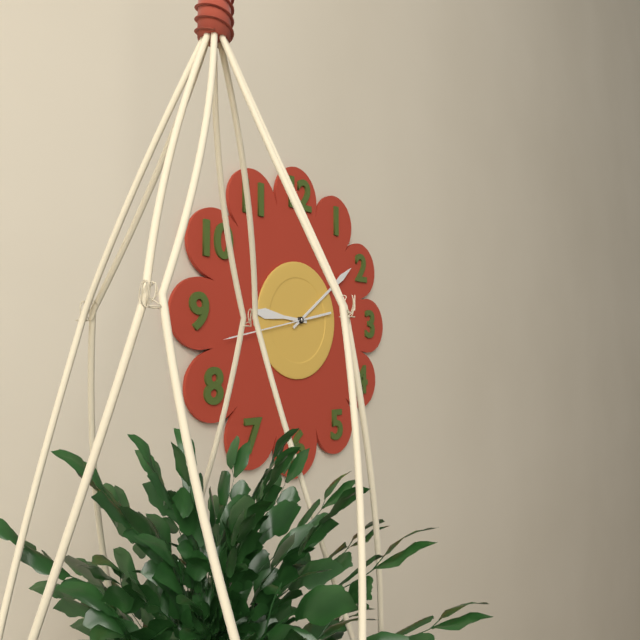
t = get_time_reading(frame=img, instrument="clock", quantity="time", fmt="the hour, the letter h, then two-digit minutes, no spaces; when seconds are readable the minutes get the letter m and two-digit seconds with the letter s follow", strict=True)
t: 9h09m43s
